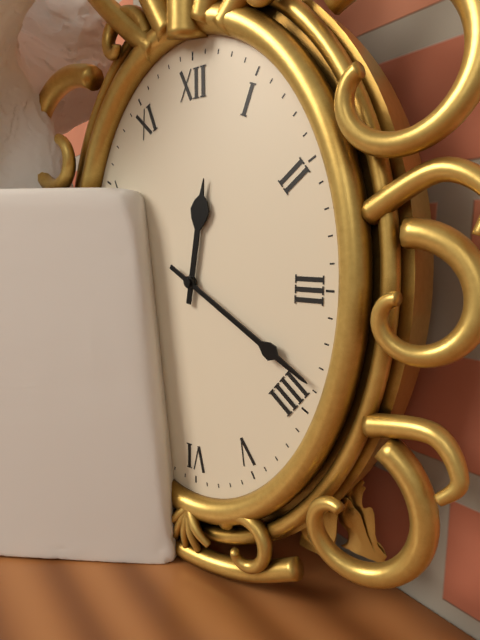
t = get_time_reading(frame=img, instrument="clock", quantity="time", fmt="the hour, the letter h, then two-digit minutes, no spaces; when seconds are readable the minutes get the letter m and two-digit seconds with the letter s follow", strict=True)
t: 12h20
